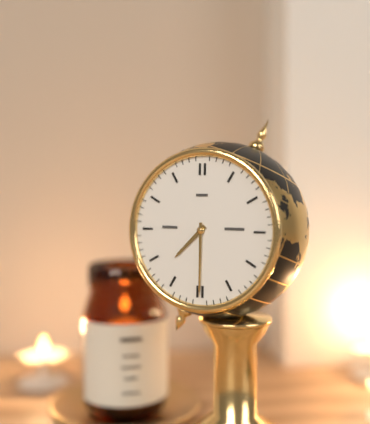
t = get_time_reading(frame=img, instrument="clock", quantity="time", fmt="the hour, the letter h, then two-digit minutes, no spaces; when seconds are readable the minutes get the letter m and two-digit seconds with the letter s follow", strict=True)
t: 7h30
